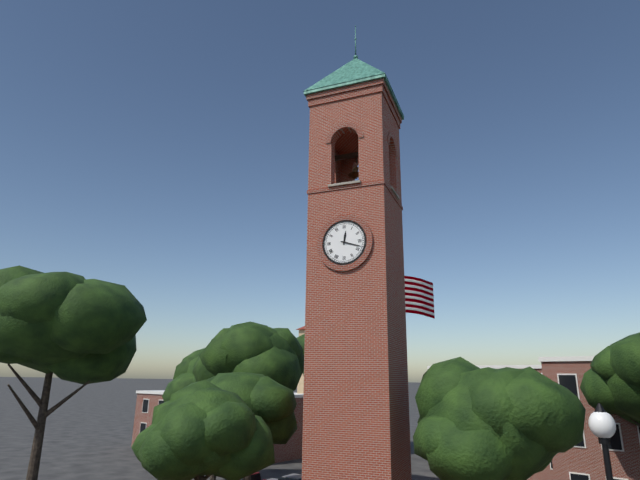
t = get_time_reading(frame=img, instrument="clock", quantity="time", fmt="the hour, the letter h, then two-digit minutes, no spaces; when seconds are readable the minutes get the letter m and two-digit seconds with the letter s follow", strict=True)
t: 12h18
